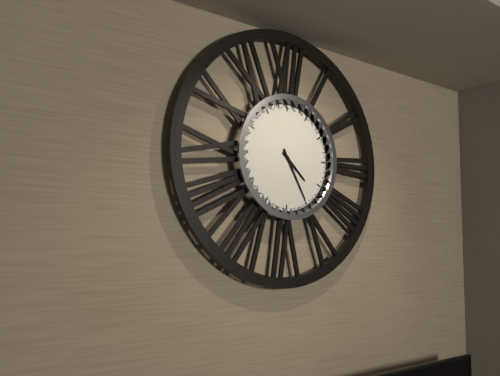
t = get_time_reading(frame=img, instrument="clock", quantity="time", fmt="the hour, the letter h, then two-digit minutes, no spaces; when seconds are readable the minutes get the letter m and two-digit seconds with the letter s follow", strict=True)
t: 4h25
